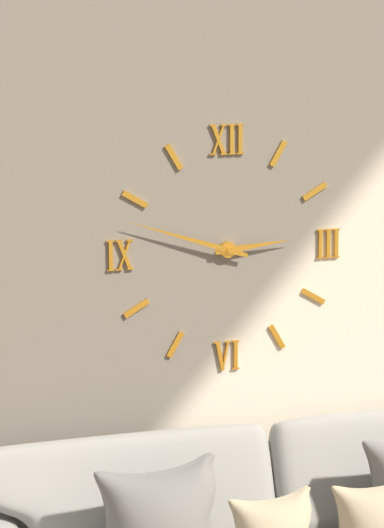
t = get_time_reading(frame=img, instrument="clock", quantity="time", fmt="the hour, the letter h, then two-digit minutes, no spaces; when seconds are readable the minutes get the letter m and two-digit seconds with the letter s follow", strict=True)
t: 2h48
